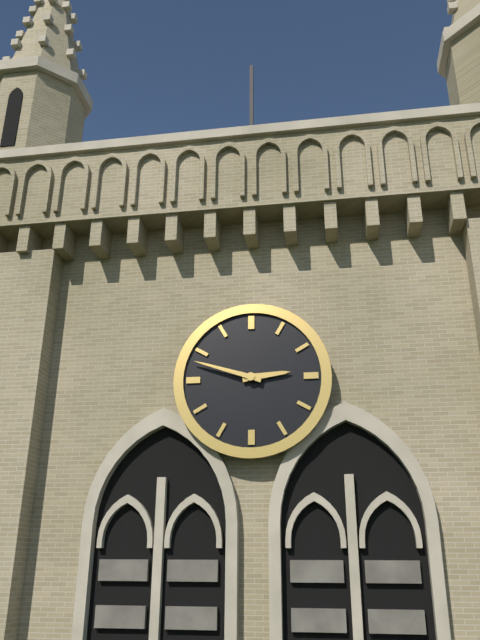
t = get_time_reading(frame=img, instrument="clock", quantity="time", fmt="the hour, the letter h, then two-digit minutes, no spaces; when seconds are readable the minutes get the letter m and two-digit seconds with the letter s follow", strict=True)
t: 2h48
